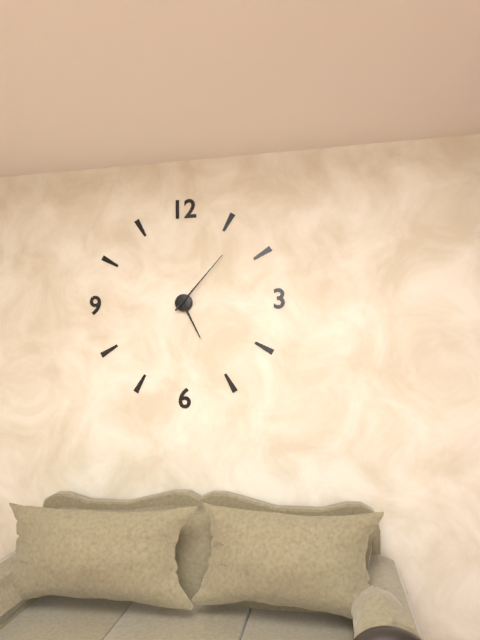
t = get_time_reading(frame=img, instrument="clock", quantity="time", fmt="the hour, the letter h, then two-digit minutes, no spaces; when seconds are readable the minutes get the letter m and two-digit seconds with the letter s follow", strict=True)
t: 5h07
